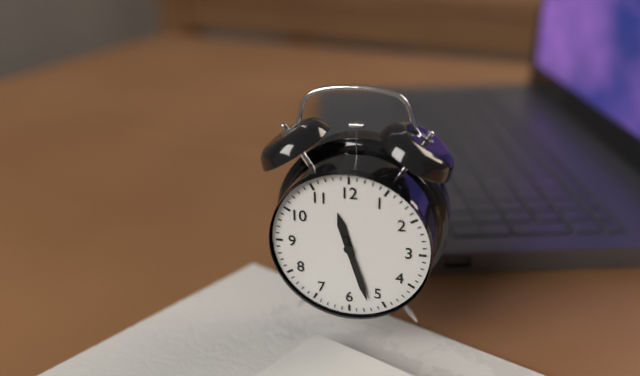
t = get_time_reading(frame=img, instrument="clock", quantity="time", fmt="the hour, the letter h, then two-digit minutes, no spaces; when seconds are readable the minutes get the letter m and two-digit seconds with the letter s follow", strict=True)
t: 11h27
